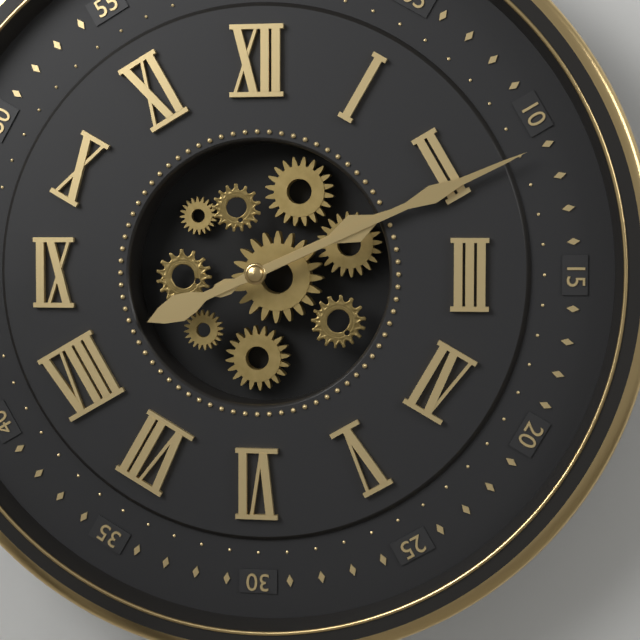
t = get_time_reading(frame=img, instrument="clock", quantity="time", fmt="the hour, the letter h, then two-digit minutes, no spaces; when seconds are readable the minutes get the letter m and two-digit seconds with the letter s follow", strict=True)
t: 2h11
